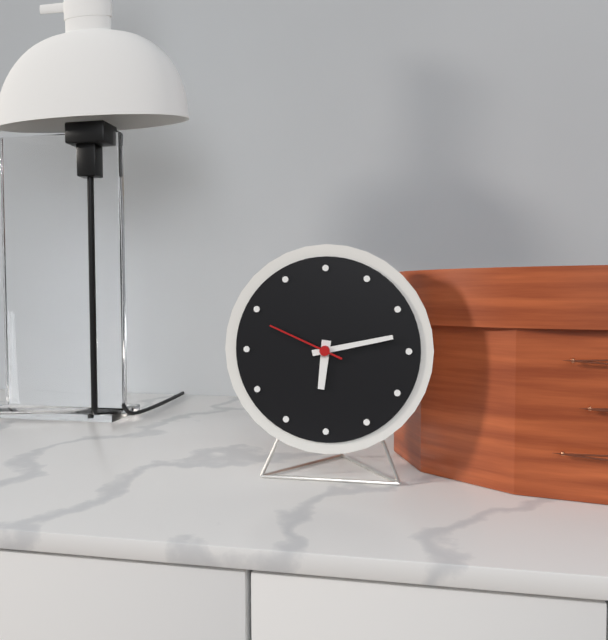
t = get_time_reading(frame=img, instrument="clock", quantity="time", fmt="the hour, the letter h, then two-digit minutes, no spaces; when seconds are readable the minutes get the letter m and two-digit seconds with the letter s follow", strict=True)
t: 6h13m49s
